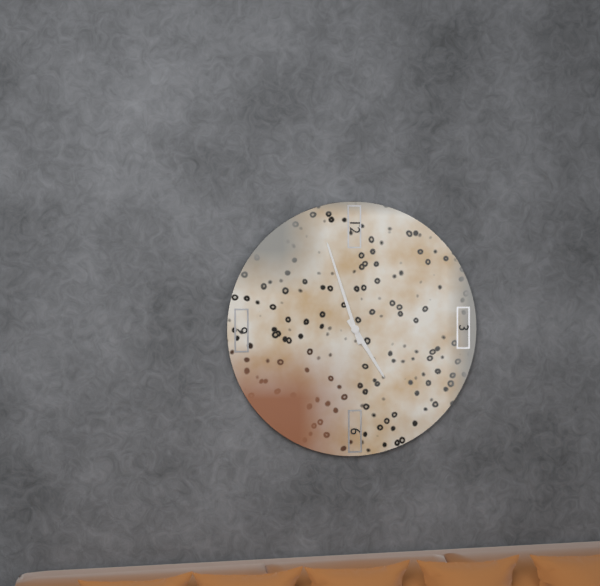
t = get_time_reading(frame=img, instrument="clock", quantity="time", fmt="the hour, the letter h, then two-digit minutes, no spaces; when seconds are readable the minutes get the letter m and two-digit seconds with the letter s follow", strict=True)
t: 4h57
